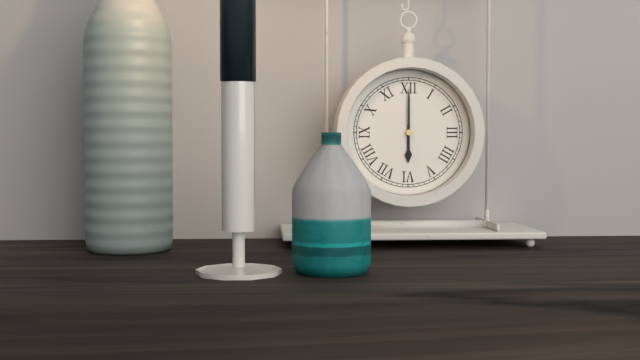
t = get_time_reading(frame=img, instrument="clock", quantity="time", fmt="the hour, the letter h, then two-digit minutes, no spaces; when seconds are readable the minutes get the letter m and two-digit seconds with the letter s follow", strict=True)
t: 6h00
